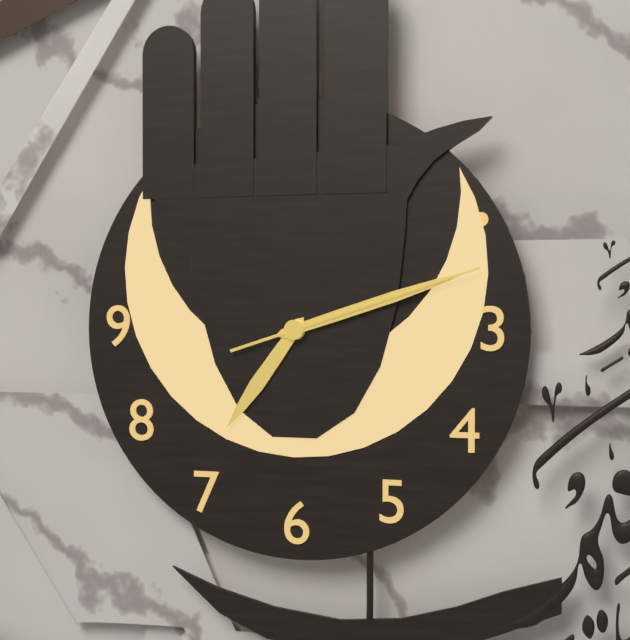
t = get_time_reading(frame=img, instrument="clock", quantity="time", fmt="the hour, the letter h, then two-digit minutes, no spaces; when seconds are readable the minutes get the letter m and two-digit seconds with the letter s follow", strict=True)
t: 7h12m12s
